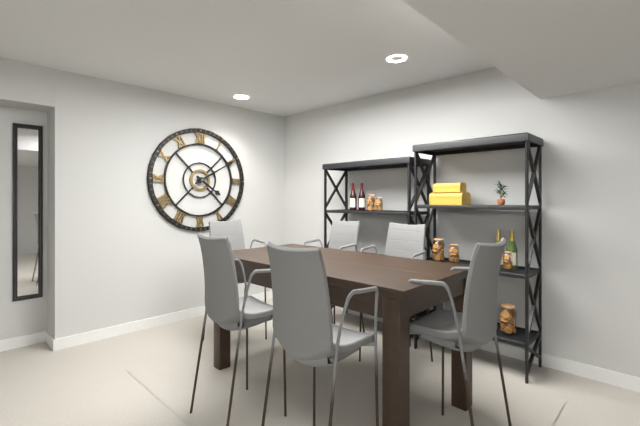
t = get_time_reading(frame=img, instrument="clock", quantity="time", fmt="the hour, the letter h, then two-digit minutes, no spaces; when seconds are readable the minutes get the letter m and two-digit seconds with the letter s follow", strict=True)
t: 4h10
